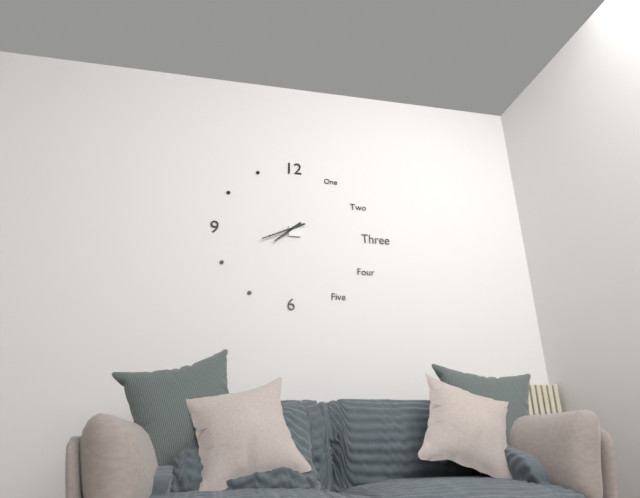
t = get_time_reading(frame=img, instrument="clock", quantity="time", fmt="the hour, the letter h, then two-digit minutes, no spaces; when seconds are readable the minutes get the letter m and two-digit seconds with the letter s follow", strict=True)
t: 7h41
